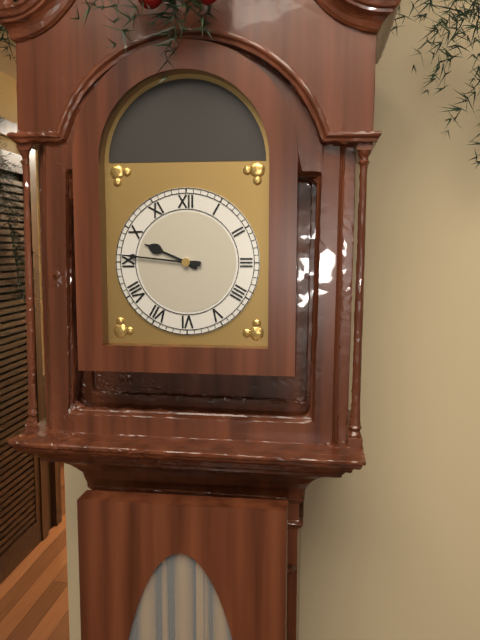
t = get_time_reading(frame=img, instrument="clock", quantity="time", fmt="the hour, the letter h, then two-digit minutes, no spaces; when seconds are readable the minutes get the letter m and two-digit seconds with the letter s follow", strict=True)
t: 9h46
